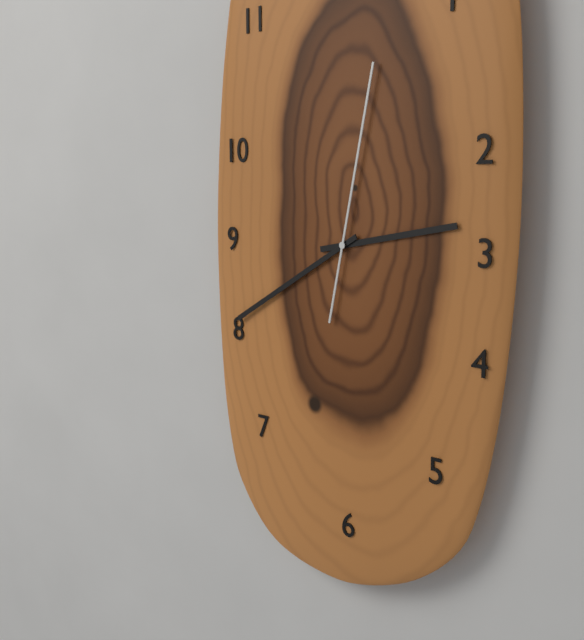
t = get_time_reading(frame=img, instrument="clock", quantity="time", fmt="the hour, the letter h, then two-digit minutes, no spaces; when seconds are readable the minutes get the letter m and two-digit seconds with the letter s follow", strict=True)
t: 2h40m02s
